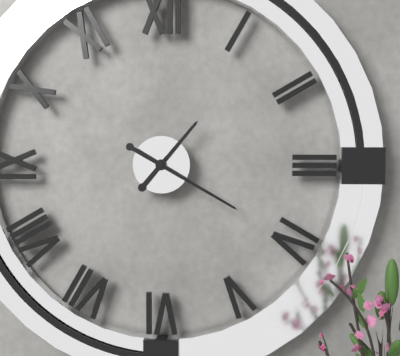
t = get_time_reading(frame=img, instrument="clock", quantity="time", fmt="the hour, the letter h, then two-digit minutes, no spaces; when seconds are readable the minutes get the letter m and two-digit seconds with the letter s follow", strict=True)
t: 1h20
